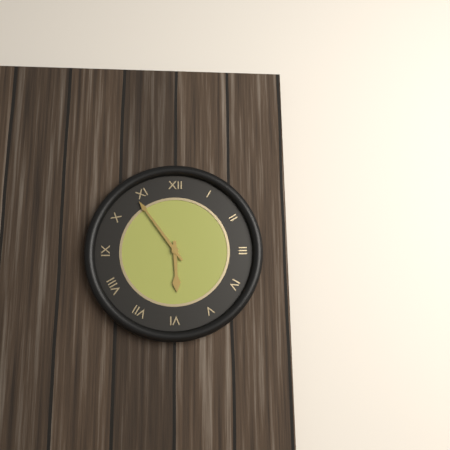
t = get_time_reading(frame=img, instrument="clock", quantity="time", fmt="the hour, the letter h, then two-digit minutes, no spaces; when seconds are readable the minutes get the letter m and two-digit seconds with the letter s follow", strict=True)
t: 5h54
